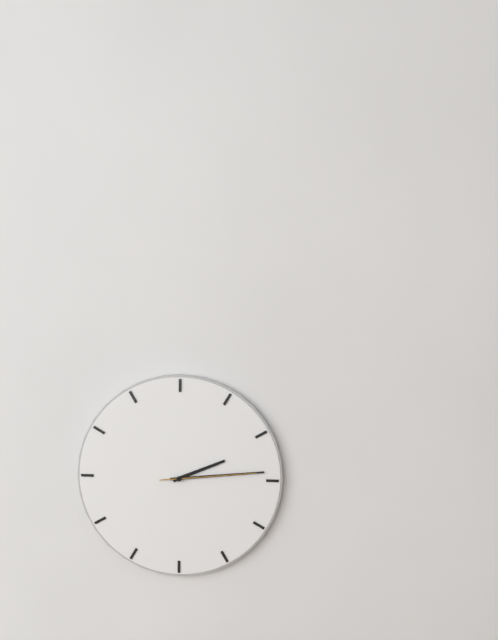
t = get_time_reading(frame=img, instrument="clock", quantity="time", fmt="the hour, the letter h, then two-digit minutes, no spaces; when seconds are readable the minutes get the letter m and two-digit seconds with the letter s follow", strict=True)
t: 2h14m14s
